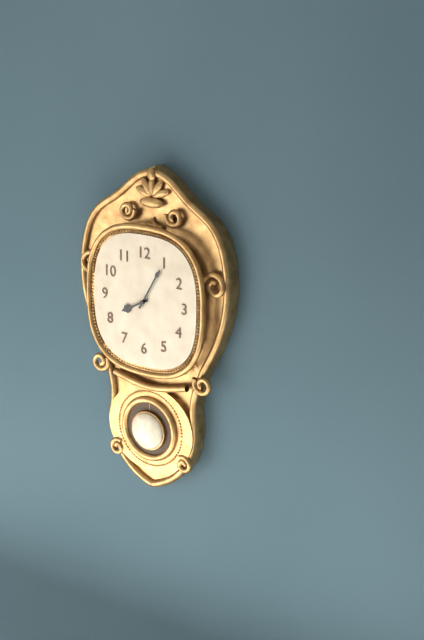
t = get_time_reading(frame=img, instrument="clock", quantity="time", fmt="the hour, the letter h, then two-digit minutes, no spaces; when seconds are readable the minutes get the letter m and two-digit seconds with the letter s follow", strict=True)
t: 8h05
